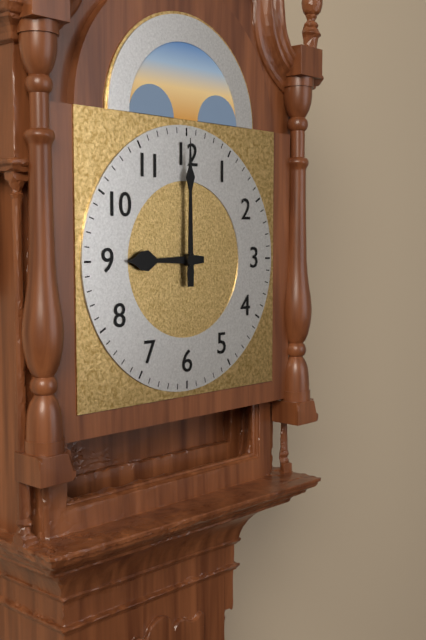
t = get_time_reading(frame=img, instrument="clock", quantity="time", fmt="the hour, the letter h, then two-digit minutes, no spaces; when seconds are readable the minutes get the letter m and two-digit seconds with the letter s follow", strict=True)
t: 9h00
